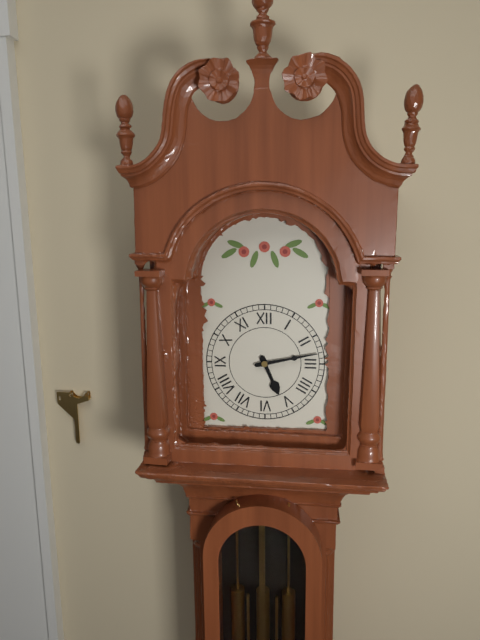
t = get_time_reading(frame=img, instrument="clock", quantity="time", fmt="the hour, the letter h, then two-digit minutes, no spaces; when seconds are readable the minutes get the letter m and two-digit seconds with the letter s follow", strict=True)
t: 5h13
